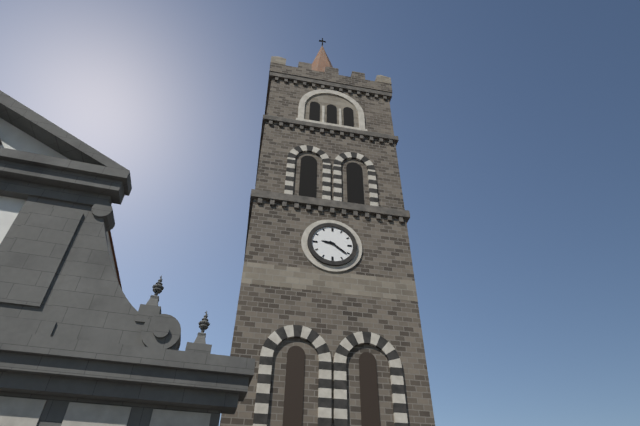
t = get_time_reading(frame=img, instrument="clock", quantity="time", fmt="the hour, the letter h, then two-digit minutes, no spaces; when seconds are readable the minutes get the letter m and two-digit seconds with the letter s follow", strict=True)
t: 9h21
